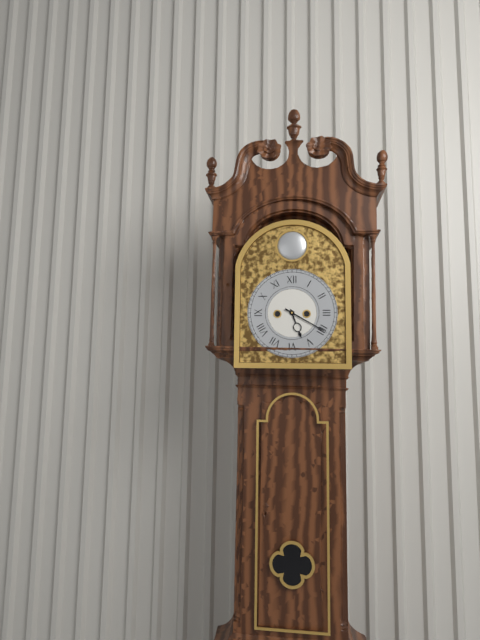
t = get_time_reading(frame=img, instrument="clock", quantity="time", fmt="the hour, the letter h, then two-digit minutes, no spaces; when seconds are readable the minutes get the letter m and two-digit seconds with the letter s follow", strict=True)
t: 5h20
